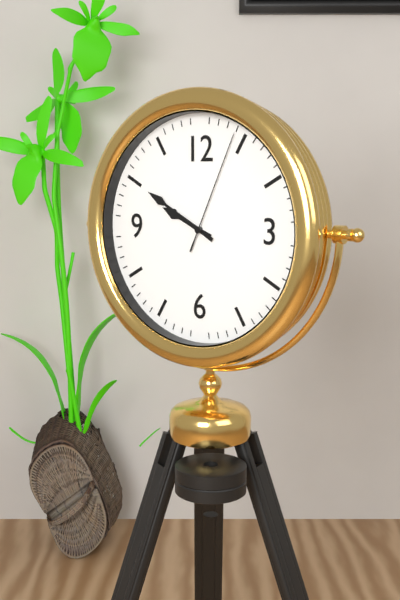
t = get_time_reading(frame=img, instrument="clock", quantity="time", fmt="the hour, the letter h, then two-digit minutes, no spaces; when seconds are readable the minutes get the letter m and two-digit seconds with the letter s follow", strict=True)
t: 9h50m04s
